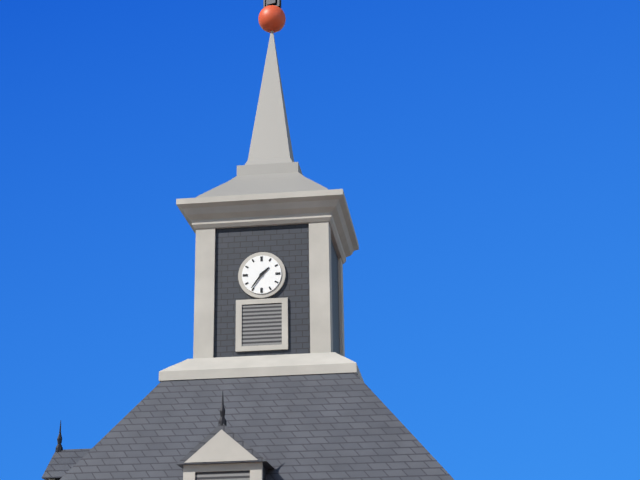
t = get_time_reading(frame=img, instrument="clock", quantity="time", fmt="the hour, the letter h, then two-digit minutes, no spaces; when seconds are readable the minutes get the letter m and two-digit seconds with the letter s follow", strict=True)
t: 1h36
